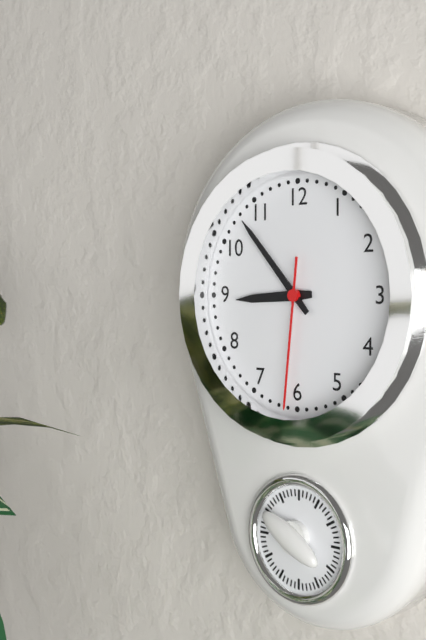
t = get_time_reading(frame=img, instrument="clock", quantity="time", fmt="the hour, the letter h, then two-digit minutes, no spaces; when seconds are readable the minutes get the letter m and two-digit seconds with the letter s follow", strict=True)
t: 8h53m31s
